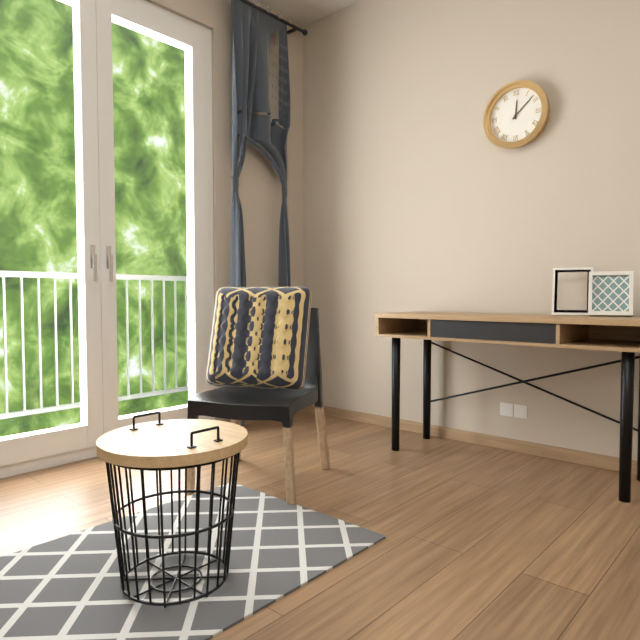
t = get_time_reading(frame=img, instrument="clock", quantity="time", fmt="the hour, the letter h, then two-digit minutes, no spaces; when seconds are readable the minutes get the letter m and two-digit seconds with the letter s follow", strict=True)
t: 12h08
